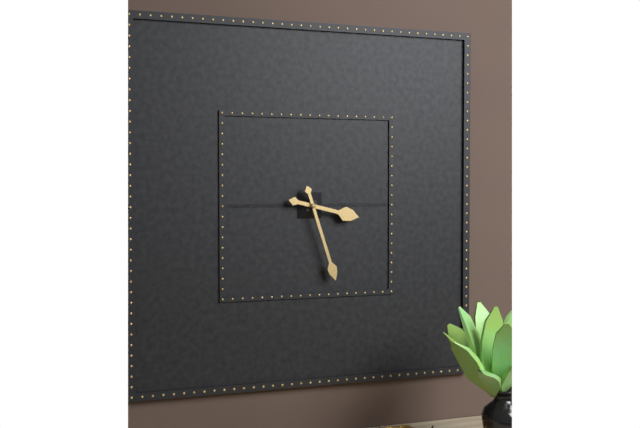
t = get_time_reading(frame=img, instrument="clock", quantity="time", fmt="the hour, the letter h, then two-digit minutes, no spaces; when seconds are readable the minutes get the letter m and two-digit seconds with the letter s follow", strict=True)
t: 3h27
